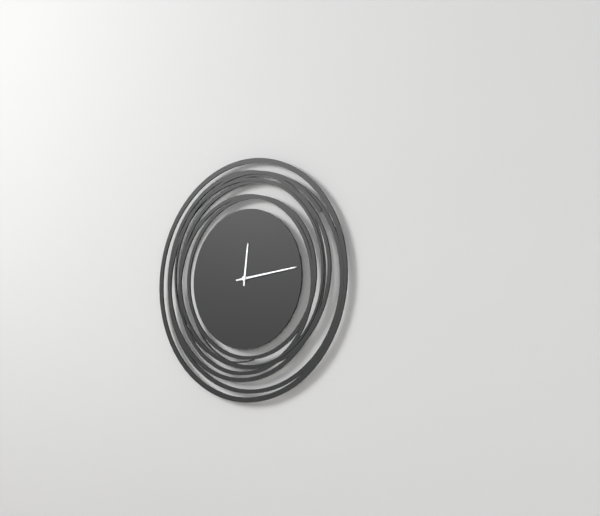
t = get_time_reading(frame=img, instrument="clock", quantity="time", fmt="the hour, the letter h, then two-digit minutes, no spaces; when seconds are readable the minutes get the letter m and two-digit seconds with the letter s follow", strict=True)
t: 12h14
